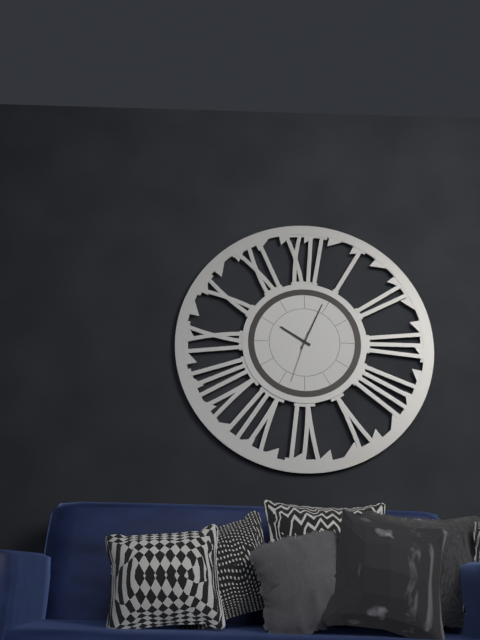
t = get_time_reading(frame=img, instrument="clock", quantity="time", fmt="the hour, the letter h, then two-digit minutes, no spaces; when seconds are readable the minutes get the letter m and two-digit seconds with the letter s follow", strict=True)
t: 10h04m33s
